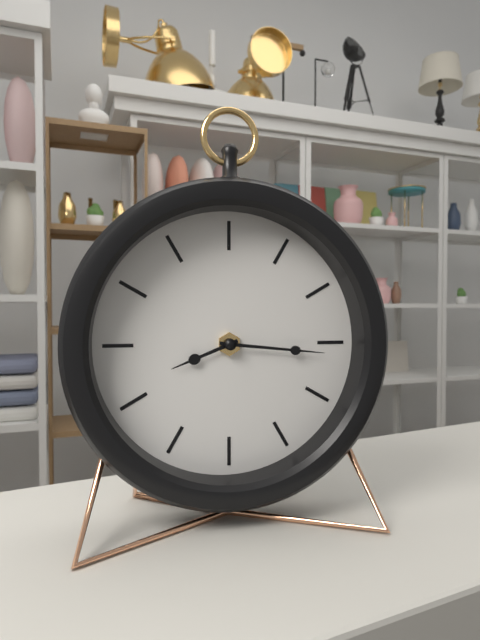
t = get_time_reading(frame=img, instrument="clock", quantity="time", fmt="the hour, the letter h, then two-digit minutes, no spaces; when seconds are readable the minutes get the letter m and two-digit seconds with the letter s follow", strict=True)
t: 8h16
